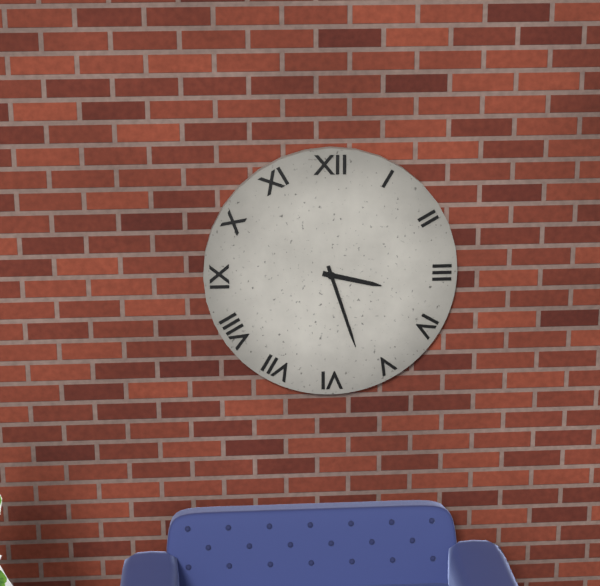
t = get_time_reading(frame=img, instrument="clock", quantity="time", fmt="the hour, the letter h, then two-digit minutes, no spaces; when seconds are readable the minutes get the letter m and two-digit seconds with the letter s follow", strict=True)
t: 3h27
